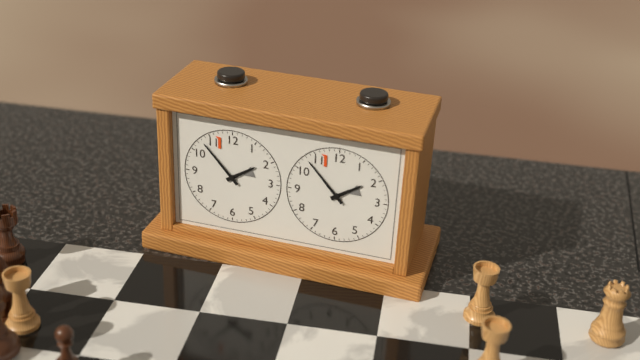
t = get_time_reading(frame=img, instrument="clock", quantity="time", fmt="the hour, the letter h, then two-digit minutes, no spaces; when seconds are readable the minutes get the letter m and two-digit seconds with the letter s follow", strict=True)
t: 1h53
